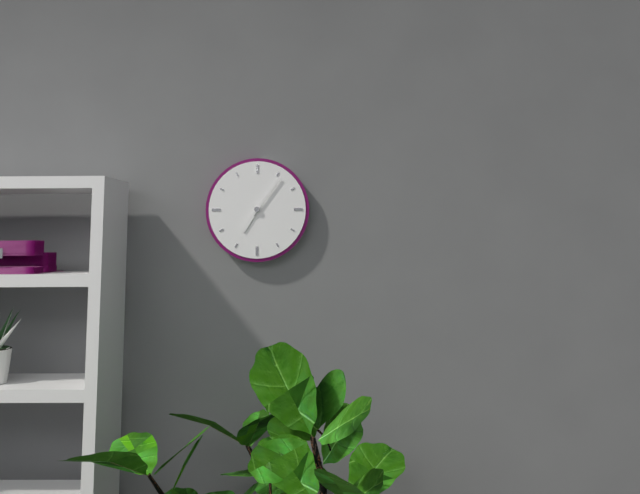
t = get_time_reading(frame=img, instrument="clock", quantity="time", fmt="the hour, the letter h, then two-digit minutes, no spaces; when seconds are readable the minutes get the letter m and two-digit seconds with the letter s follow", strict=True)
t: 7h06
